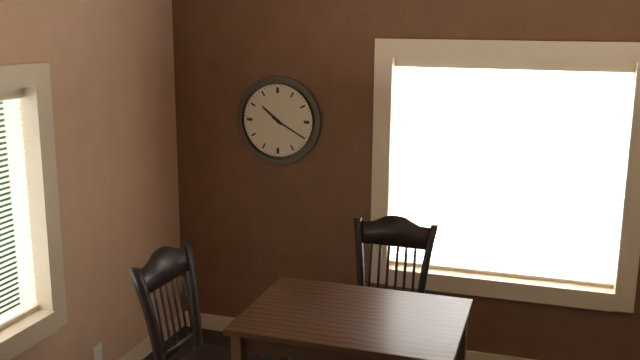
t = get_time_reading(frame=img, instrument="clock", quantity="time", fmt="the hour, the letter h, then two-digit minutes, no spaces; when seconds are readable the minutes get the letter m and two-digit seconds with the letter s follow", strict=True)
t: 10h20
